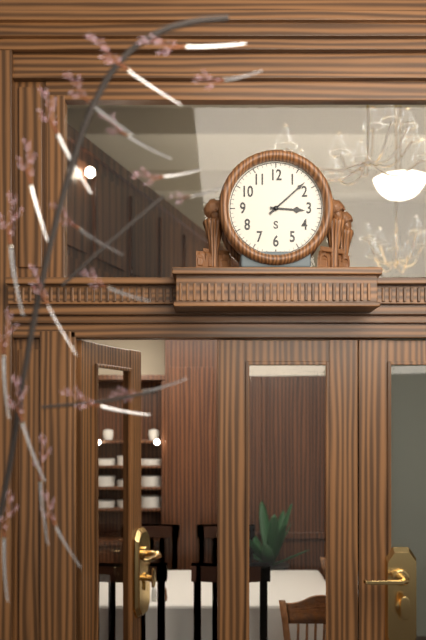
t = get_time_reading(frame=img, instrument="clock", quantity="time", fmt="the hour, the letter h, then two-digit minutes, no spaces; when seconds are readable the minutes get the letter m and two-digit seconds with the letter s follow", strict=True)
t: 3h08
